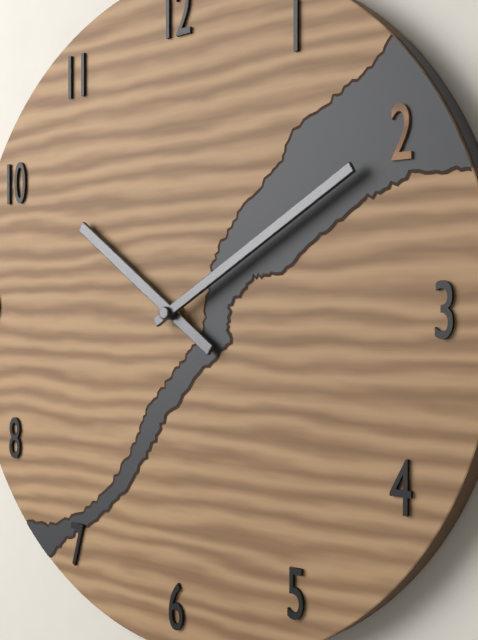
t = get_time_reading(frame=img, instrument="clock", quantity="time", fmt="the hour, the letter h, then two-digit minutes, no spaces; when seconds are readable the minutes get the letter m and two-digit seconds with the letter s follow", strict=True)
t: 10h10
